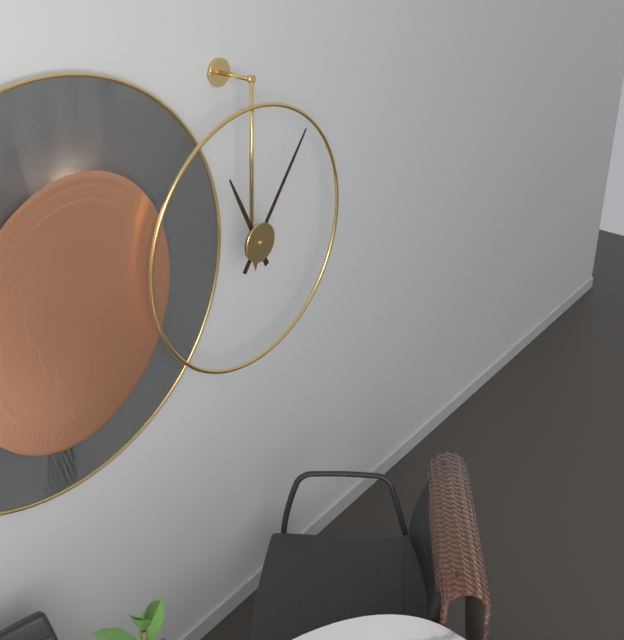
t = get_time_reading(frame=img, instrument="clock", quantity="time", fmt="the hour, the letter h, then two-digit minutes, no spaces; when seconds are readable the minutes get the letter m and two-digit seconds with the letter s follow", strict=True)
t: 11h06
